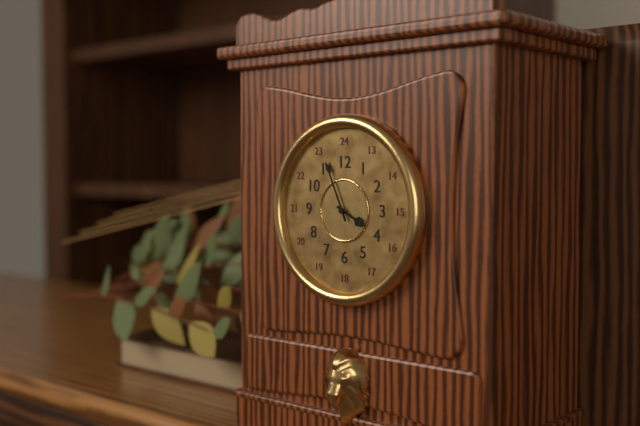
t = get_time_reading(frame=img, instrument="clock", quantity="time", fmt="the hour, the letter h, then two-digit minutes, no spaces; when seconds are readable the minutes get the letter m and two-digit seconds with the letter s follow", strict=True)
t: 3h56
